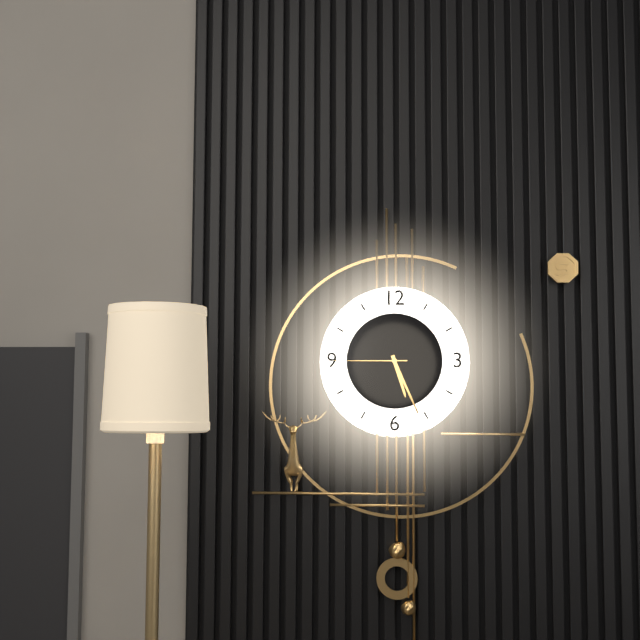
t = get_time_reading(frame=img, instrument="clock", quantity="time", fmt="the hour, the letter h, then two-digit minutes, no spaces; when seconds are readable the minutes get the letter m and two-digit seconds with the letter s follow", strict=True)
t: 5h26m45s
